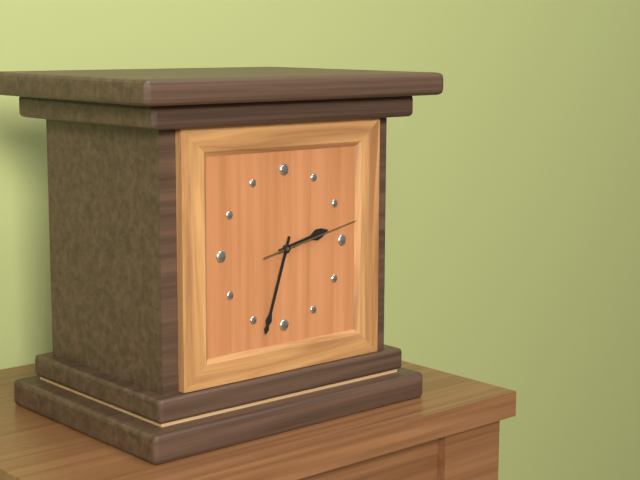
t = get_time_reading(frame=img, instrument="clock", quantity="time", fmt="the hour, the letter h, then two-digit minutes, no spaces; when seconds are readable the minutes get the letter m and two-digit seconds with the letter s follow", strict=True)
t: 2h33m13s
